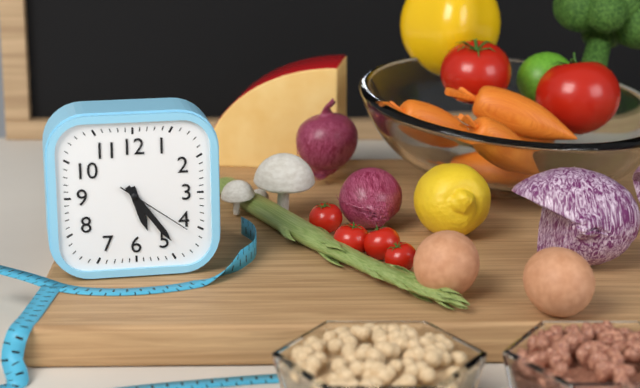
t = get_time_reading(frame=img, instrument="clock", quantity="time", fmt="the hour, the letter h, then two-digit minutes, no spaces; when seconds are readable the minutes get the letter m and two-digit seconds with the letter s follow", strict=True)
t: 5h24m21s
